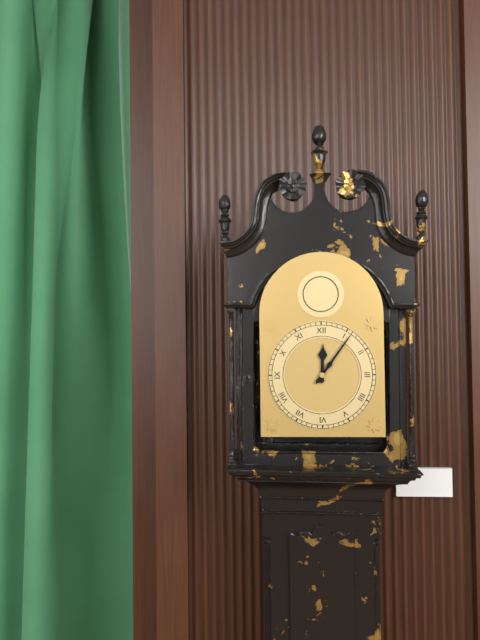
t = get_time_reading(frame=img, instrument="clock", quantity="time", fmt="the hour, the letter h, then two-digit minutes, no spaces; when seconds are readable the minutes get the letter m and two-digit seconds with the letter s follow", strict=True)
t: 12h06
